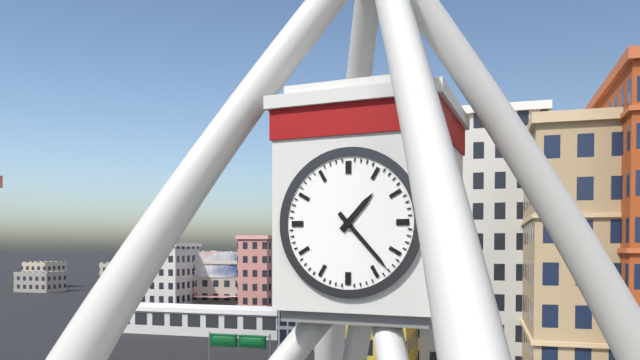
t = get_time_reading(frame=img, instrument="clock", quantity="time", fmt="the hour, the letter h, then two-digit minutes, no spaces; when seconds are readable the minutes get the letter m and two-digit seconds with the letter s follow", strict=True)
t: 1h23
